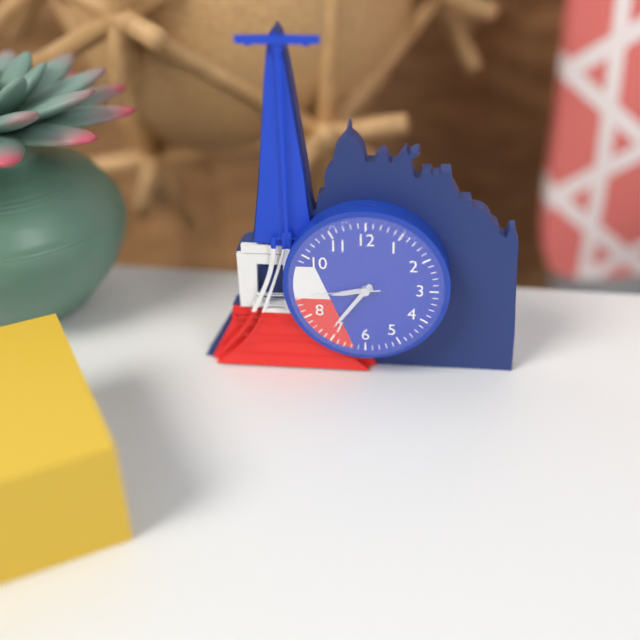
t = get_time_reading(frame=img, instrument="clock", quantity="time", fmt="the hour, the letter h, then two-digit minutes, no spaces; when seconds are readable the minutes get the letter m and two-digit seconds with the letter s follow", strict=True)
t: 8h36m44s
